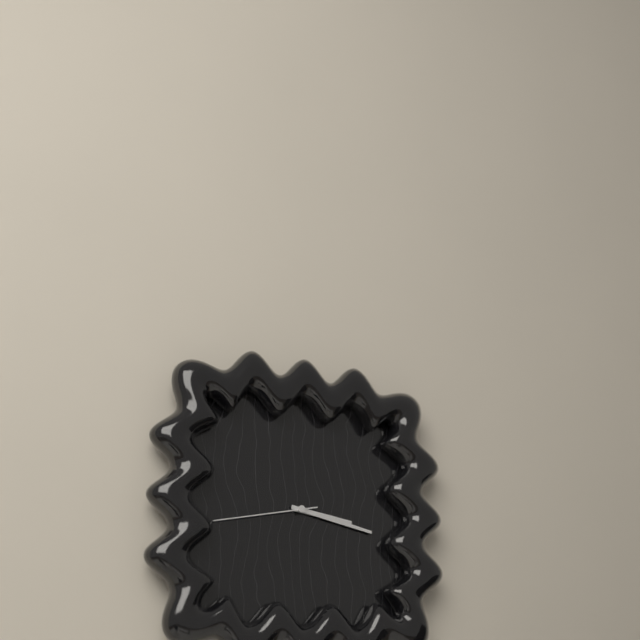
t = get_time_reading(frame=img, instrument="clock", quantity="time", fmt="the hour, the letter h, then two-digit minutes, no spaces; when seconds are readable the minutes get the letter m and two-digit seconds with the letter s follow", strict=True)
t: 3h17m43s
